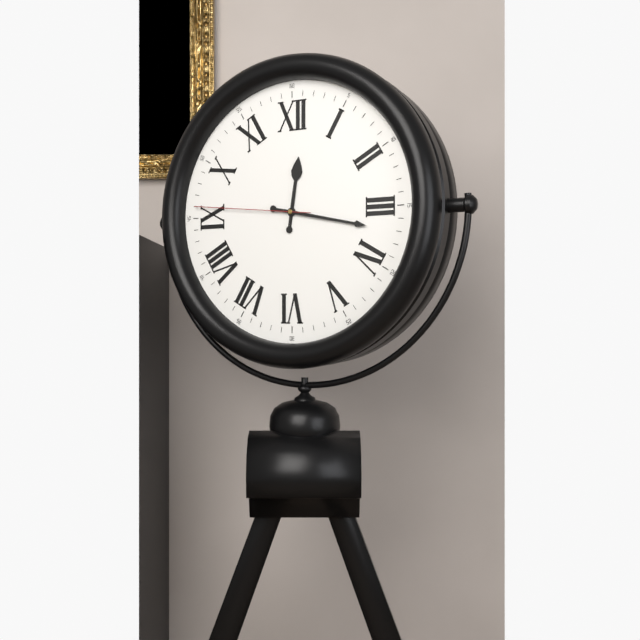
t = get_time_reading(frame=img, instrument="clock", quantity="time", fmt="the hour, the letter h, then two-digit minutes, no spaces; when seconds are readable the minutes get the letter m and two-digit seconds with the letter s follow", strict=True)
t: 12h17m46s
